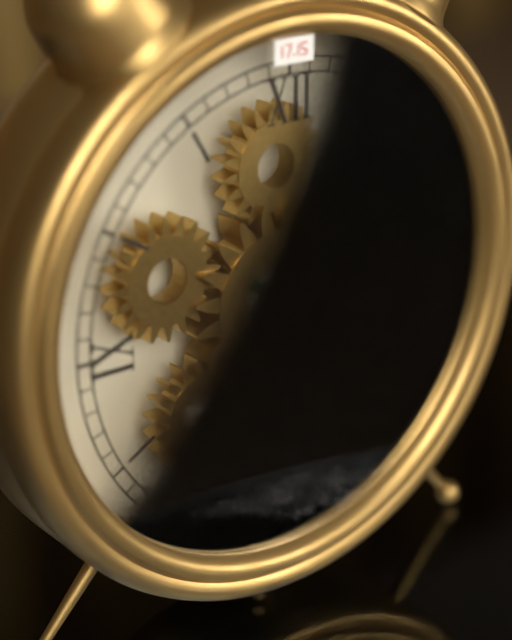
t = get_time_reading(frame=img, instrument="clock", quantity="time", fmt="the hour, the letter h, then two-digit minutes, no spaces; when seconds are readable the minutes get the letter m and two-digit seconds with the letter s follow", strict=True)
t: 2h21
